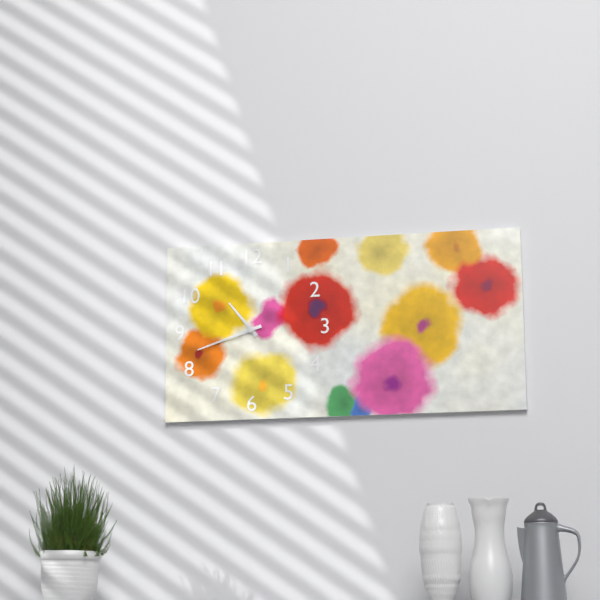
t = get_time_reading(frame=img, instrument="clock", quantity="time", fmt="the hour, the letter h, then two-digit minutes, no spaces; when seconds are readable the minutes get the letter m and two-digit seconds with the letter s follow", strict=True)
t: 10h42
